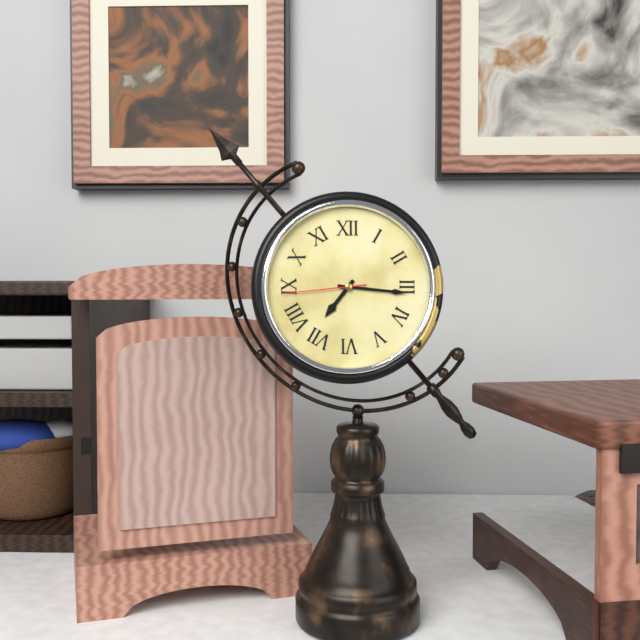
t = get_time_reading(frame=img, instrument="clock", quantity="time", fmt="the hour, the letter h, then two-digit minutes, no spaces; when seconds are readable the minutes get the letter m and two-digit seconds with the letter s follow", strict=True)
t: 7h16m44s
